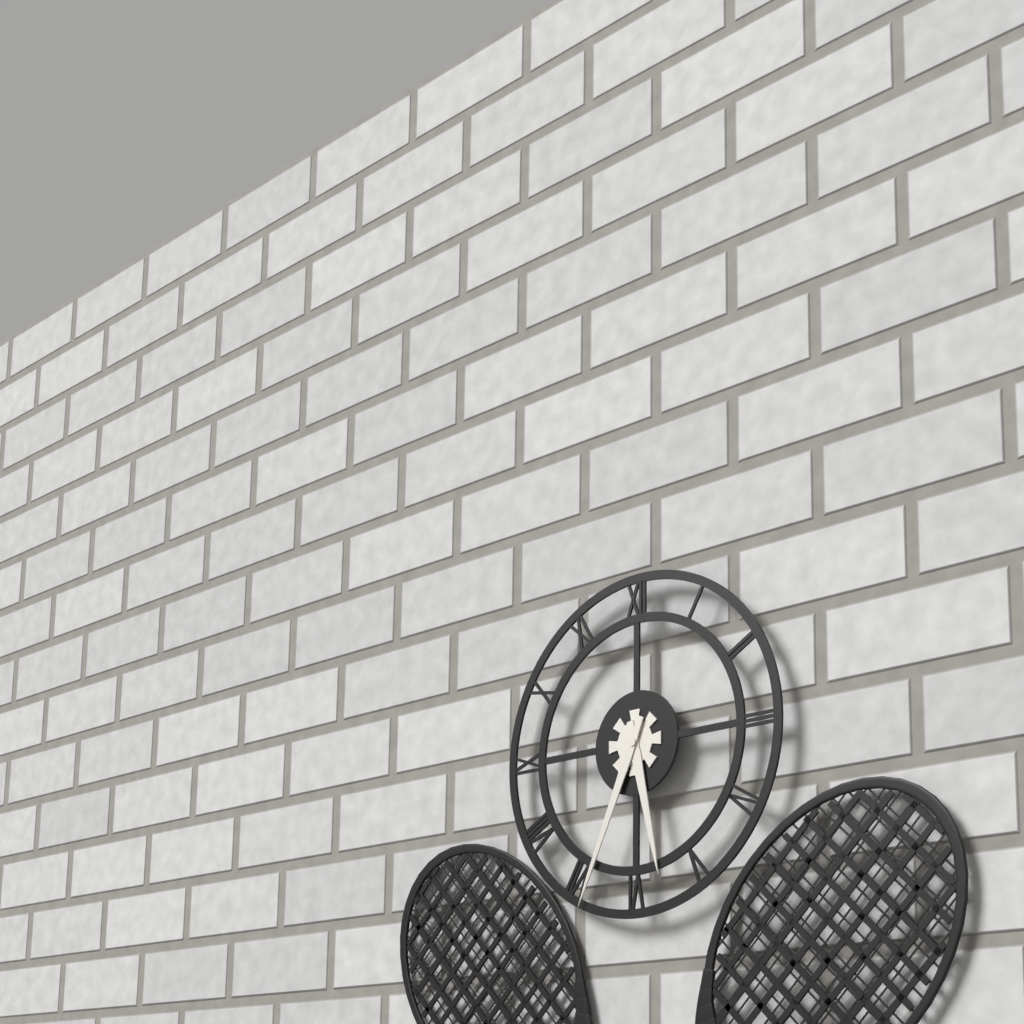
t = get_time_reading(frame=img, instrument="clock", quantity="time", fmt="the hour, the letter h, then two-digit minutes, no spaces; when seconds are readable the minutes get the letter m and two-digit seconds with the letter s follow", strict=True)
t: 5h34
